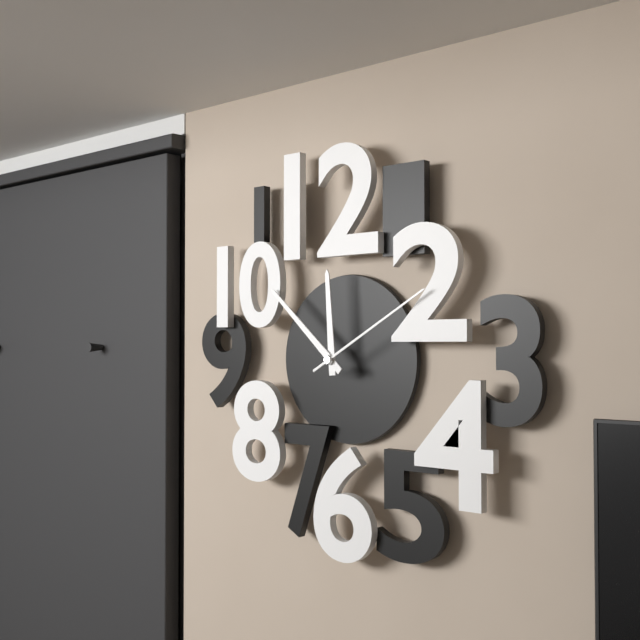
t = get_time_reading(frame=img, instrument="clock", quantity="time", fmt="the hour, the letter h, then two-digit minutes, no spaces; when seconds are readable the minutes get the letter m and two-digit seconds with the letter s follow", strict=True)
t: 11h52m10s
